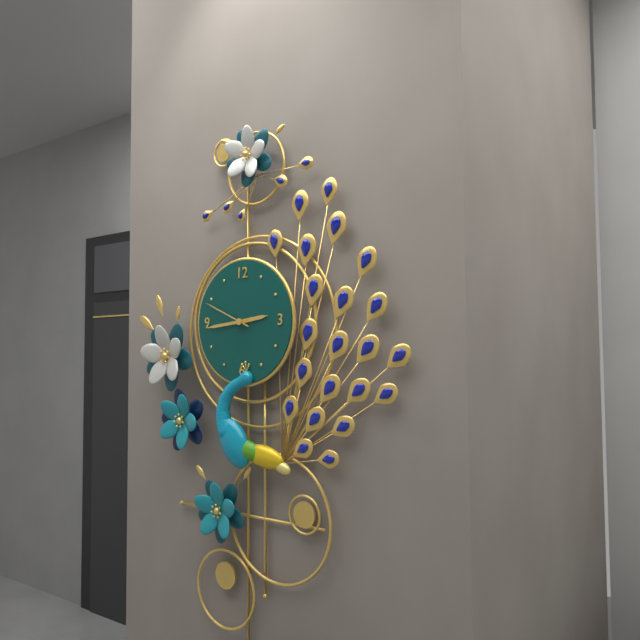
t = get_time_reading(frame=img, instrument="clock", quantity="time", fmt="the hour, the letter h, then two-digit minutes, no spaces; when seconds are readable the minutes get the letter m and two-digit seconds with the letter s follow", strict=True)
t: 2h44
